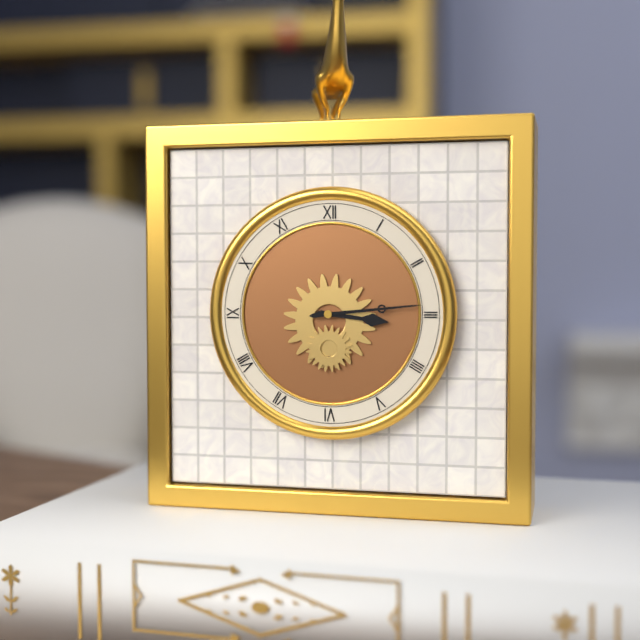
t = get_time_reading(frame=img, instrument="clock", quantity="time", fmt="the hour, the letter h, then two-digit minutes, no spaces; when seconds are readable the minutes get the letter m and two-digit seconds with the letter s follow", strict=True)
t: 3h14
